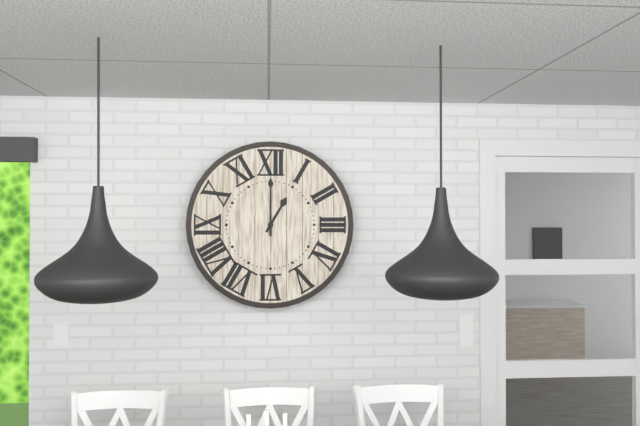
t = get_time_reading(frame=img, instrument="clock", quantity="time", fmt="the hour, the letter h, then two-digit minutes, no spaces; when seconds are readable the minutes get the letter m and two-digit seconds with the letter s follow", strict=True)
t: 1h00
